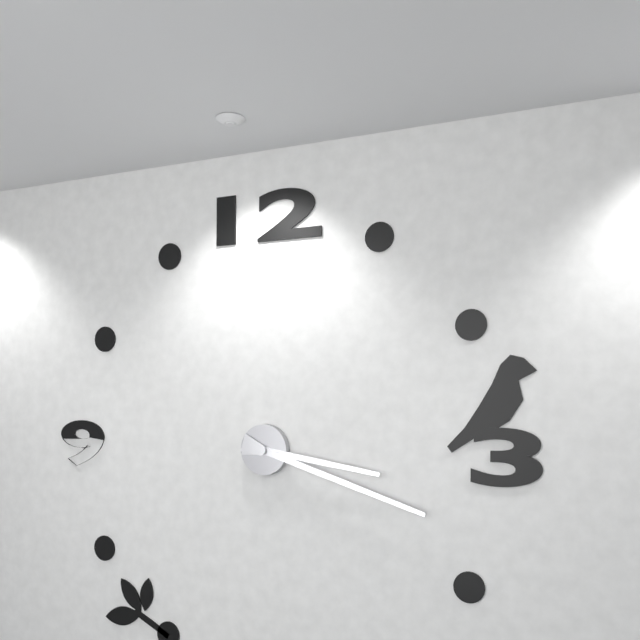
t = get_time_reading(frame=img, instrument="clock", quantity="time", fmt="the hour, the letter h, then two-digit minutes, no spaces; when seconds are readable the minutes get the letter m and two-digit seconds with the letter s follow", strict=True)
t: 3h18
